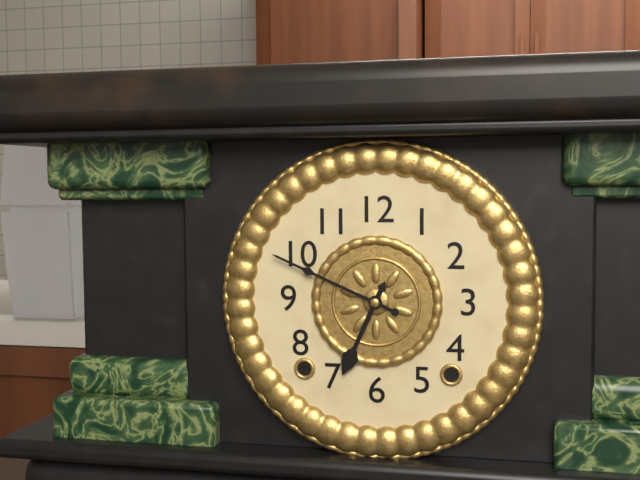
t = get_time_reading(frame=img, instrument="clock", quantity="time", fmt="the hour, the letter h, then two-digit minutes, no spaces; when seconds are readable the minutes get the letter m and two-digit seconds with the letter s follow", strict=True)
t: 6h49
